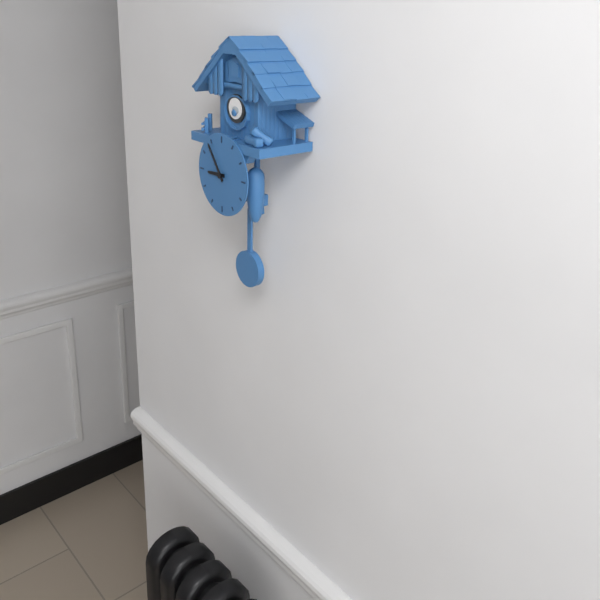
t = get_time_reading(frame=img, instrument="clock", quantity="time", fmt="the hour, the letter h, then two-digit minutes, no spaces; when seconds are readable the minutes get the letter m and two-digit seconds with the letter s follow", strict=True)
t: 8h54
